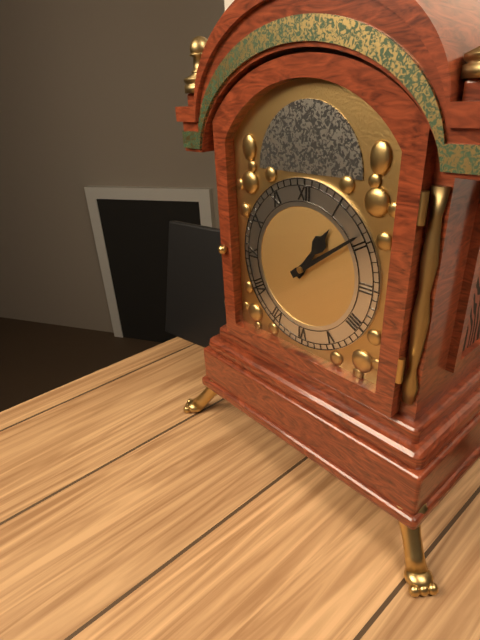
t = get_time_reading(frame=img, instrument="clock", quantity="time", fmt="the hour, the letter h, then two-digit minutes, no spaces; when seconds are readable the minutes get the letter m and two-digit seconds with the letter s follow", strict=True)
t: 1h09
